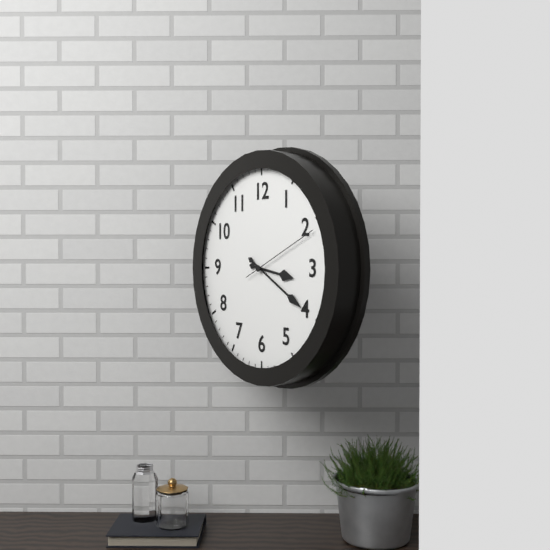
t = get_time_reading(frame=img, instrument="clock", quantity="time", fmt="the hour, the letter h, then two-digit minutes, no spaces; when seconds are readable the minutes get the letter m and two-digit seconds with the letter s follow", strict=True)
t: 3h20m11s
